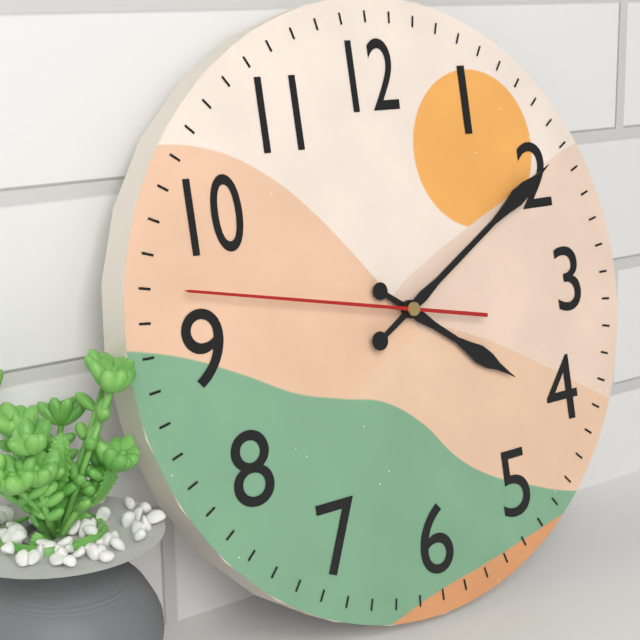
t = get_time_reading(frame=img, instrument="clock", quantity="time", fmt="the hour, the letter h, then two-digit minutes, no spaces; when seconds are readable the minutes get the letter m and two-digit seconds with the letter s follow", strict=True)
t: 4h10m47s
